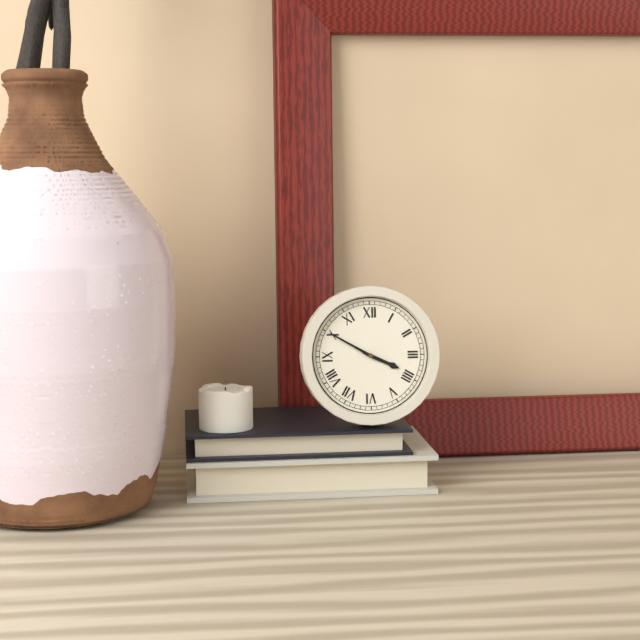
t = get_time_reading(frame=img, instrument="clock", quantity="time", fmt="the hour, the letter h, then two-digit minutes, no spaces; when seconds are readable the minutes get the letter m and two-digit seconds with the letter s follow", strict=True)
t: 3h50
